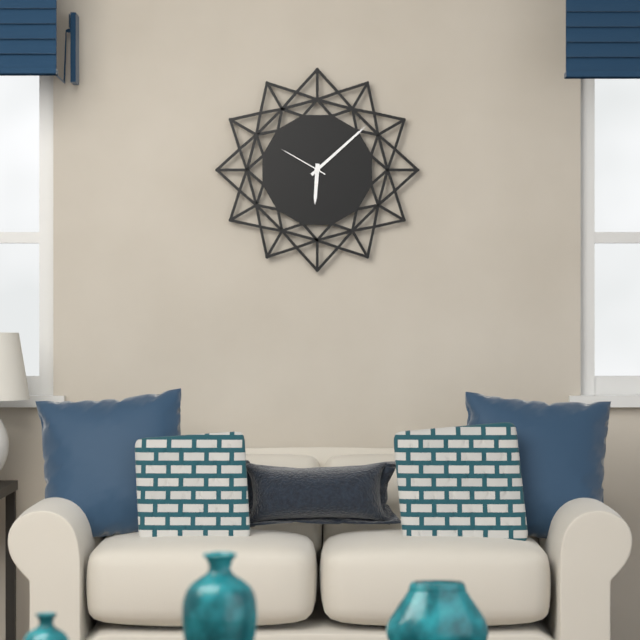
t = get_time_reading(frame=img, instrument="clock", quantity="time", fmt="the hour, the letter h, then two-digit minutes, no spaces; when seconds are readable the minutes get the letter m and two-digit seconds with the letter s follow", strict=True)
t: 6h08m50s
